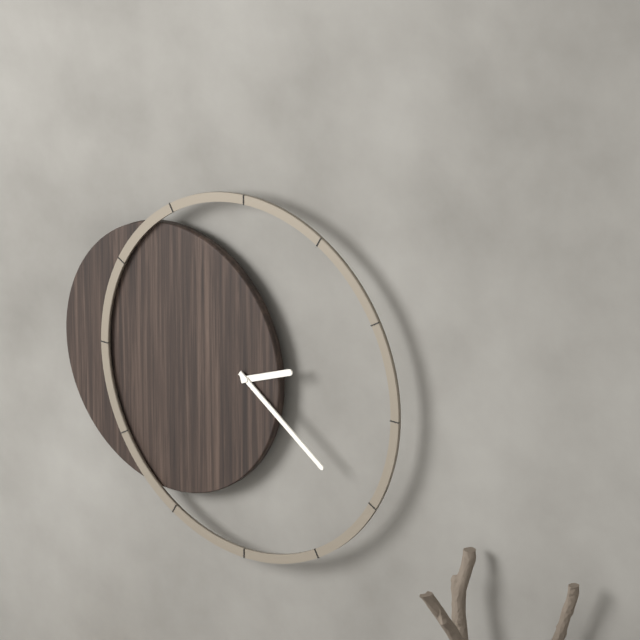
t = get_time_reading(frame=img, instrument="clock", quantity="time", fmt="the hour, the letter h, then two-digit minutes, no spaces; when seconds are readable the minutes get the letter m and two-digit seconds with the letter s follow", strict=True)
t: 2h21
